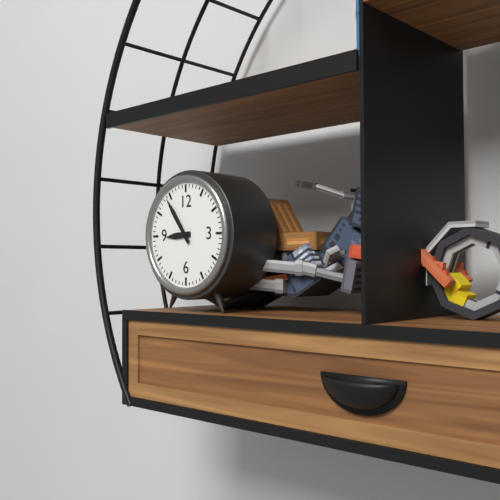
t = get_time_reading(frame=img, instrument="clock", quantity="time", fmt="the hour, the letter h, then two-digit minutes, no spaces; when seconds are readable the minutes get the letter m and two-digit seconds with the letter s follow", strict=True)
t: 8h54
